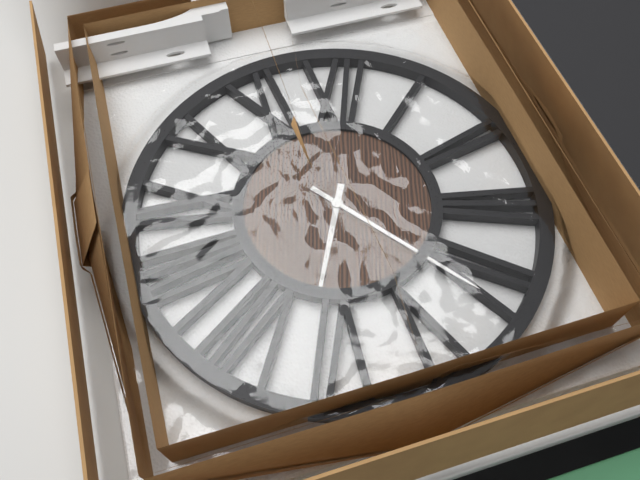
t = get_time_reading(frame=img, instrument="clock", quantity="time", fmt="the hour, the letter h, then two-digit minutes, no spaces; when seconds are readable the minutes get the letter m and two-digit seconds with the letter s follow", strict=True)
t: 6h21
